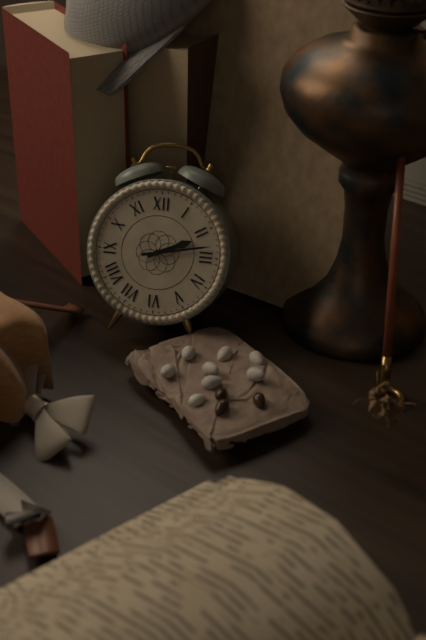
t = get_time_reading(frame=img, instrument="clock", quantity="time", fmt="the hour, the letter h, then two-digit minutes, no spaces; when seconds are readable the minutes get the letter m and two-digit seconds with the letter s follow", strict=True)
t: 2h13
